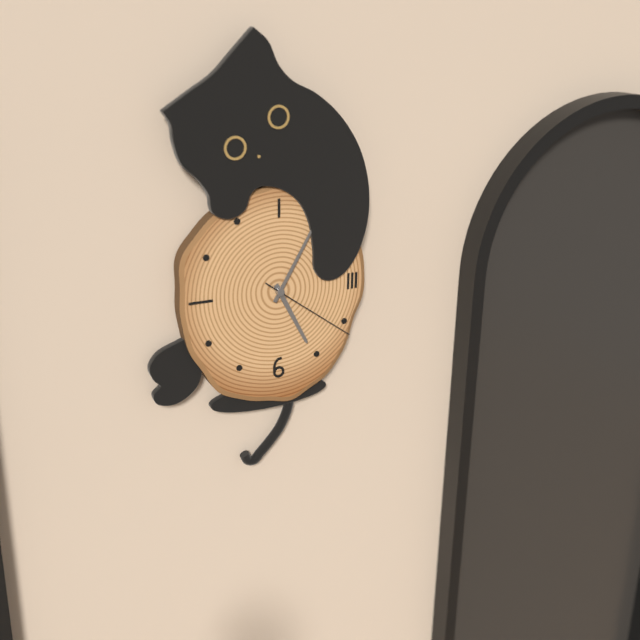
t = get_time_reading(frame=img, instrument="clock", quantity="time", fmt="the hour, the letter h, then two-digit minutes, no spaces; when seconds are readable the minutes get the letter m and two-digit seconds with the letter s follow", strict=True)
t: 5h05m21s
